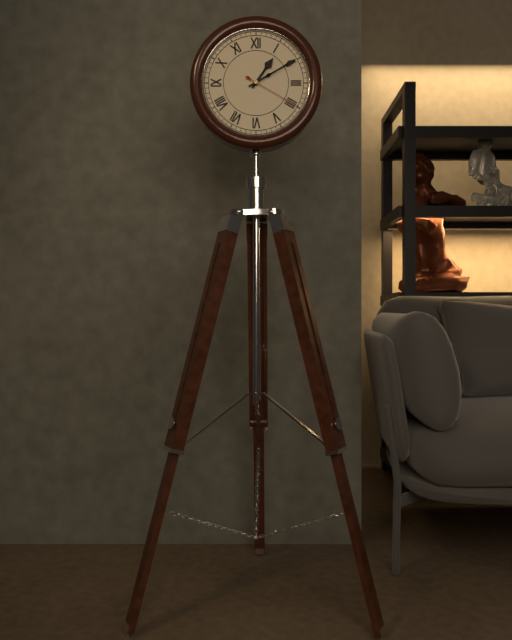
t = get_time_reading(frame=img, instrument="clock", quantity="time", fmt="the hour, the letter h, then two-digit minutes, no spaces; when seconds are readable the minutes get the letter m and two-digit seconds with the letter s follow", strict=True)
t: 1h10m20s
